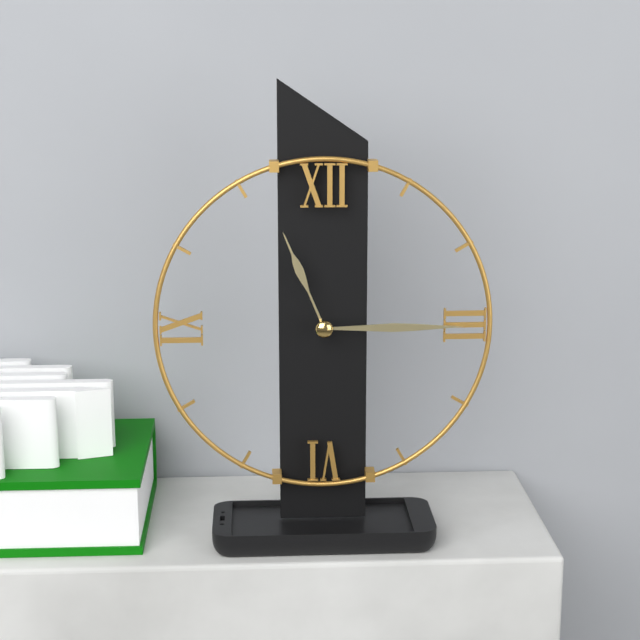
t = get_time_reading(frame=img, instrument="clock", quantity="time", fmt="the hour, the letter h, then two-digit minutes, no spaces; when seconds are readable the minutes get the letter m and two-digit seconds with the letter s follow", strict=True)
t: 11h15
